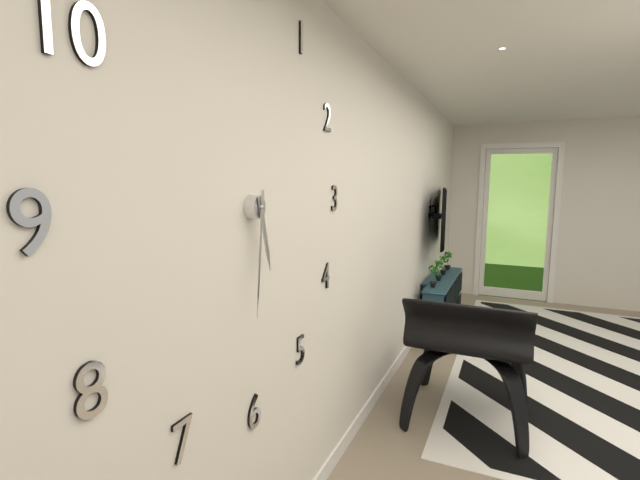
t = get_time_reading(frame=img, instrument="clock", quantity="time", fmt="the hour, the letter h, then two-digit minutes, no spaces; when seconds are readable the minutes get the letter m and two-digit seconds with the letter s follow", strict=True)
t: 5h31
